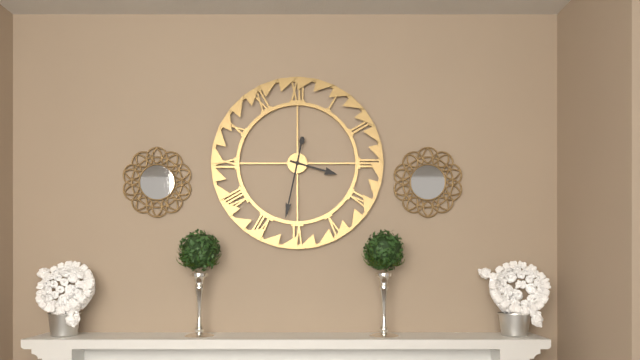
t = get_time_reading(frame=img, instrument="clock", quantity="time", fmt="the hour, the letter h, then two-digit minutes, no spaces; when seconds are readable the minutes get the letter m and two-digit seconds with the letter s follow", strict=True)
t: 3h32
